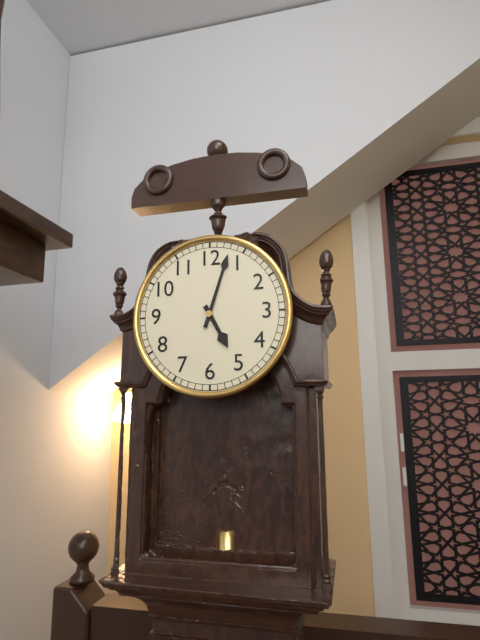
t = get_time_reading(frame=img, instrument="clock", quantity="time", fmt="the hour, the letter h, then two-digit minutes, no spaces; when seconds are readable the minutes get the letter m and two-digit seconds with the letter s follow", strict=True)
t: 5h03
